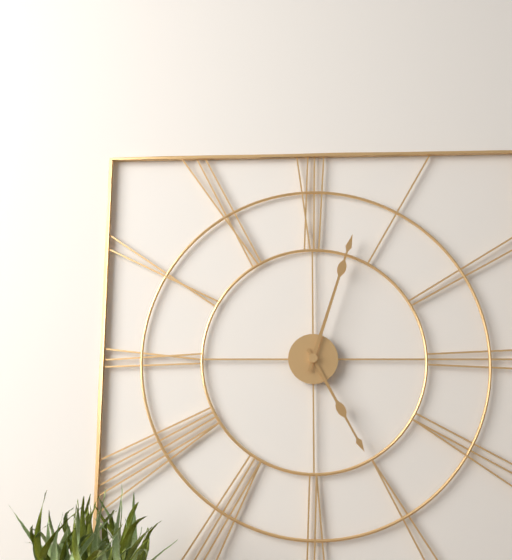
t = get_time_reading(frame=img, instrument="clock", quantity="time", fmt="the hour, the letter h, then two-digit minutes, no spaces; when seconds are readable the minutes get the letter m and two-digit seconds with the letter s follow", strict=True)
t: 5h03
